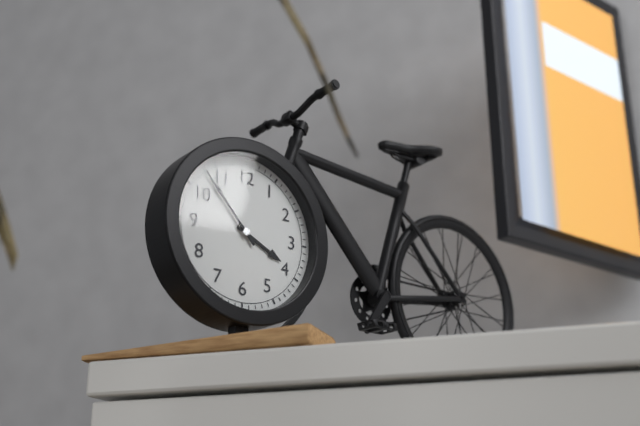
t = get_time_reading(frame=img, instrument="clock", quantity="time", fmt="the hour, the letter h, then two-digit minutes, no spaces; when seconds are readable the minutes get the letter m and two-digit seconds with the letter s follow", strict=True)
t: 3h53
